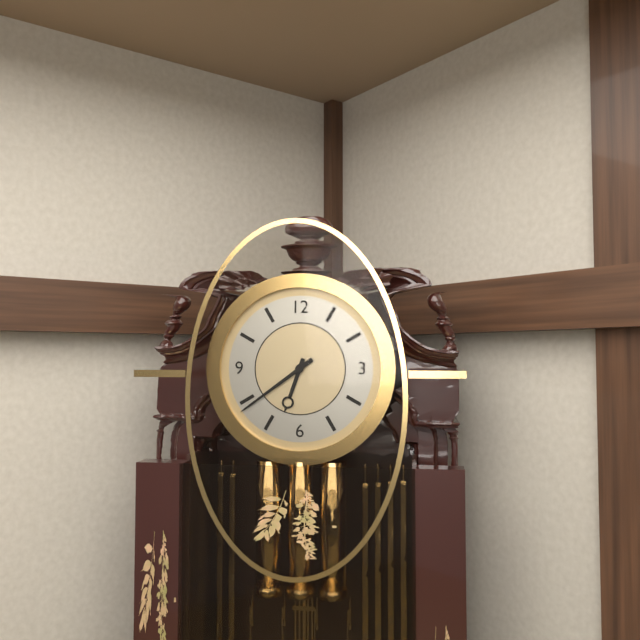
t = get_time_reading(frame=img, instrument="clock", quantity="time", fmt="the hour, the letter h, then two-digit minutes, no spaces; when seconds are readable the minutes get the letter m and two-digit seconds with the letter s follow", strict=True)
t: 6h39
